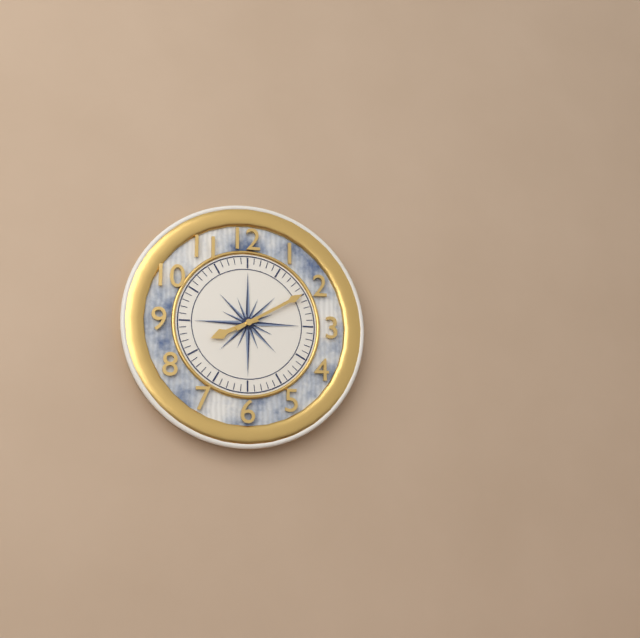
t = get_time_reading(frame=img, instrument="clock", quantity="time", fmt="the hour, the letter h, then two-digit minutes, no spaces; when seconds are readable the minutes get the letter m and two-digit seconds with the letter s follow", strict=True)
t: 8h10
